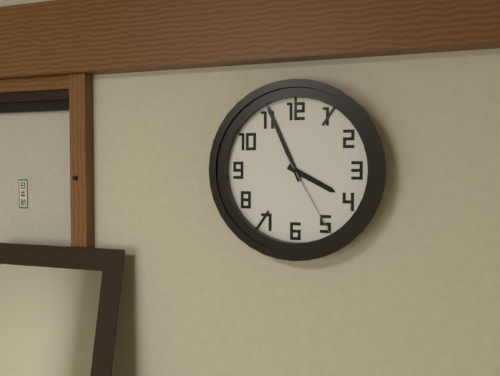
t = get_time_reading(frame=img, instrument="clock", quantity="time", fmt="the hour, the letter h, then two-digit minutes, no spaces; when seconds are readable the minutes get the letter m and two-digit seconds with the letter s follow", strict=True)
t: 3h56m25s
